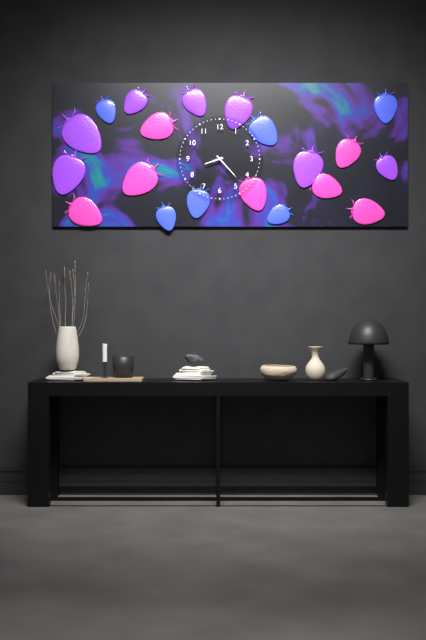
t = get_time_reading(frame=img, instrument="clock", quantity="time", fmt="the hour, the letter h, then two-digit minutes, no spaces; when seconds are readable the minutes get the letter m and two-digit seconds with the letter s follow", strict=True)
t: 8h23
